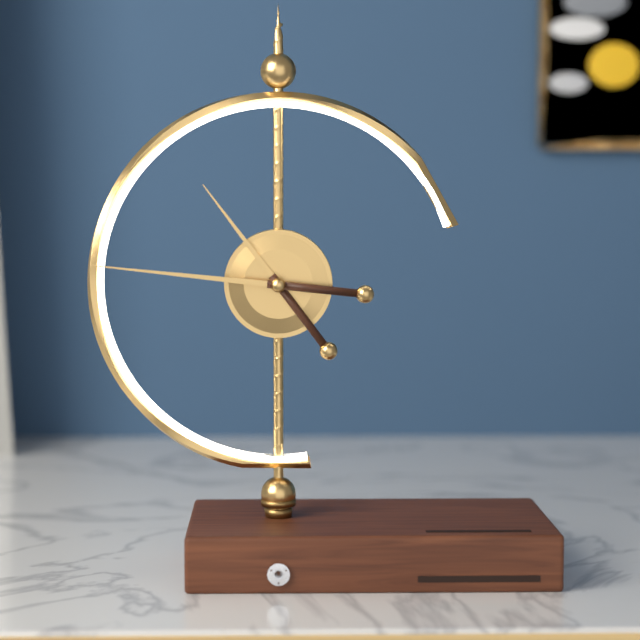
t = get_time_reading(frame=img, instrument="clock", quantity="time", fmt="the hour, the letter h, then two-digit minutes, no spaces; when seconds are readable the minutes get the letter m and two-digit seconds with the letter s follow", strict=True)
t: 10h46
